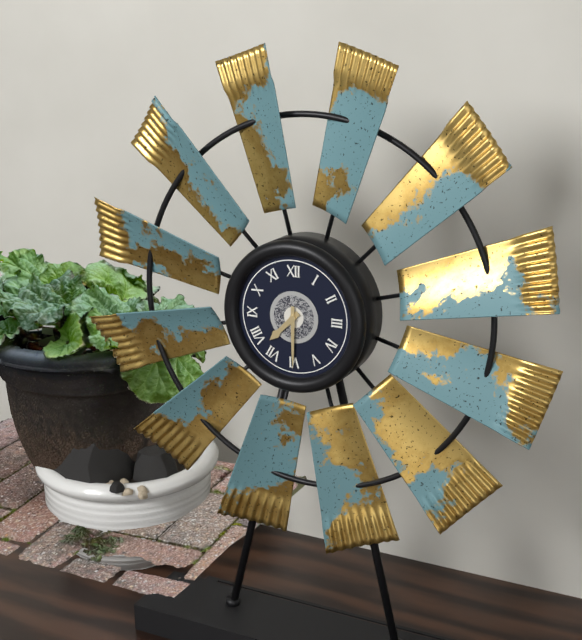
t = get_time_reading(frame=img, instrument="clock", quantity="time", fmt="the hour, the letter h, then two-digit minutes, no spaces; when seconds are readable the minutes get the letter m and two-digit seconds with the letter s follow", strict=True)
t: 7h30
